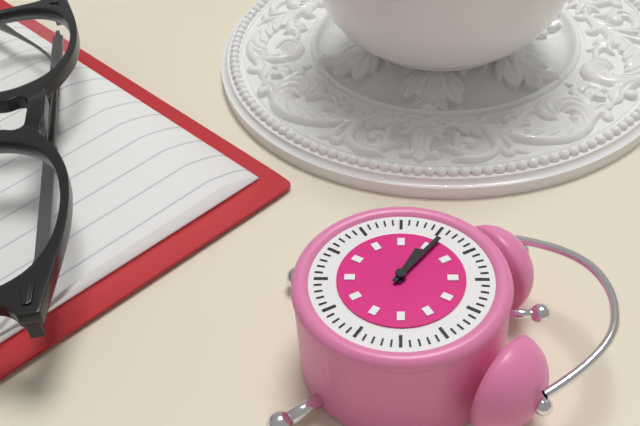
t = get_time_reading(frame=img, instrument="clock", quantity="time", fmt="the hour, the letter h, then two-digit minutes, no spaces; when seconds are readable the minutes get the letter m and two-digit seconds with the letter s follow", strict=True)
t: 9h51
